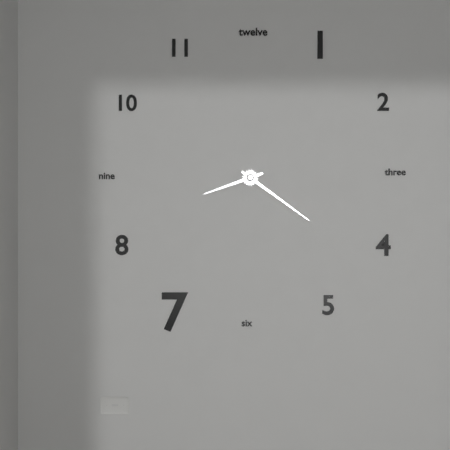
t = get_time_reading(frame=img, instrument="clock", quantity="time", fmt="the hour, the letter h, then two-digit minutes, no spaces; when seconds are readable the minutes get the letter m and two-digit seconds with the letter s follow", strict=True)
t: 8h21
